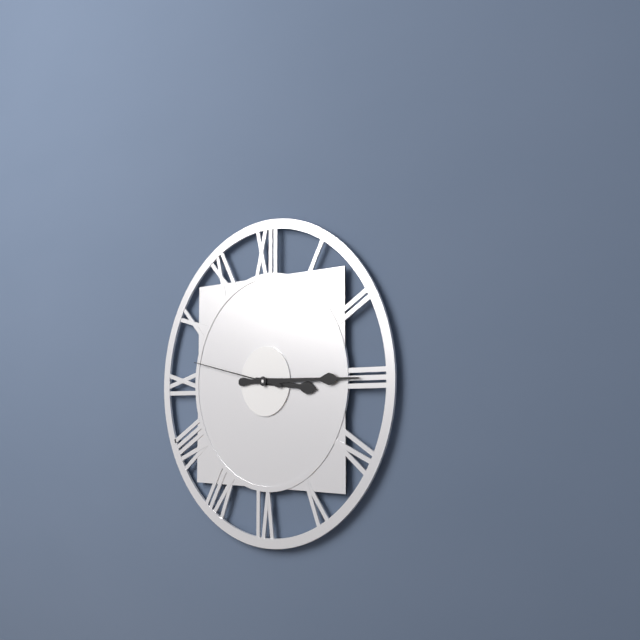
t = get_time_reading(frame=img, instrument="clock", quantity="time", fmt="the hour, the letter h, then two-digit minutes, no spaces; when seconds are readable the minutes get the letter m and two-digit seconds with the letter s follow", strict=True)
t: 3h15m47s
